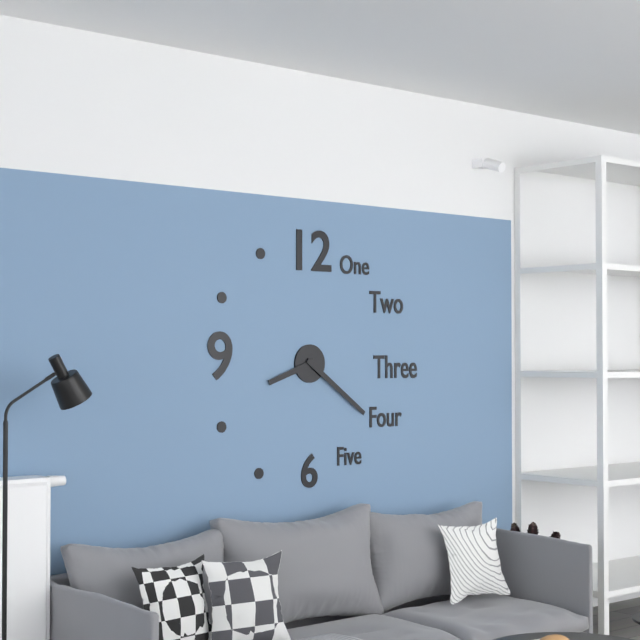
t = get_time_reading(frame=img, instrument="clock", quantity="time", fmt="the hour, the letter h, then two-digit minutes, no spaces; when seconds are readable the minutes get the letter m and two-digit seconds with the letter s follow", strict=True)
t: 8h21
